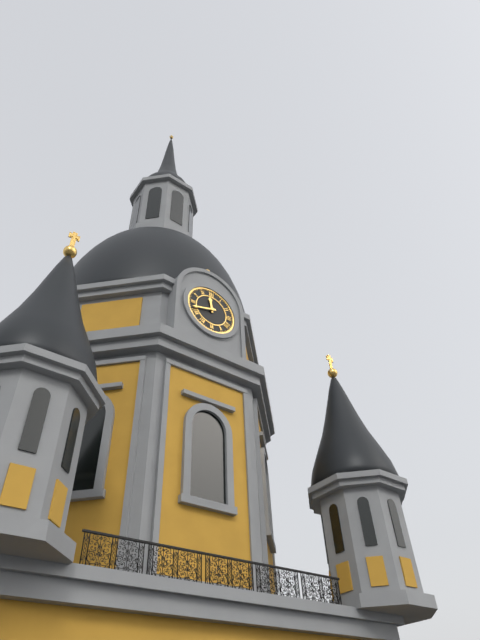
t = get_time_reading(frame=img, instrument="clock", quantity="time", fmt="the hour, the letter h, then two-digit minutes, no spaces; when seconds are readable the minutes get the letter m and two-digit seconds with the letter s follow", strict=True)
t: 11h42
